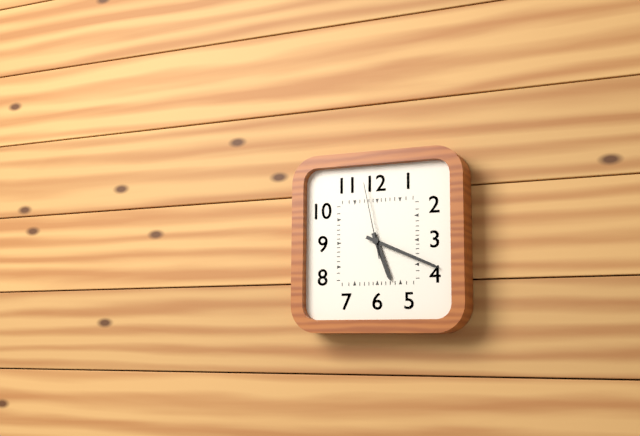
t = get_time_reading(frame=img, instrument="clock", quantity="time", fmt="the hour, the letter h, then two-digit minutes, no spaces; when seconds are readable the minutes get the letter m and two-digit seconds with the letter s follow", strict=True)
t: 5h19m58s
